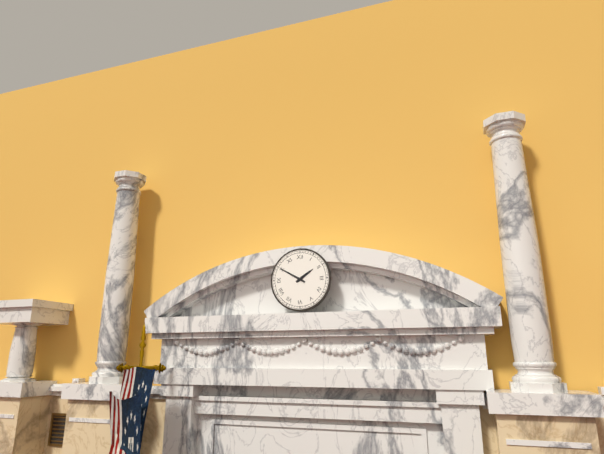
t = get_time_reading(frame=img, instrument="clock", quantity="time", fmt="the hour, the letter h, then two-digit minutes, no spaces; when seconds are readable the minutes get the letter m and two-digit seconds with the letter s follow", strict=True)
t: 1h50
